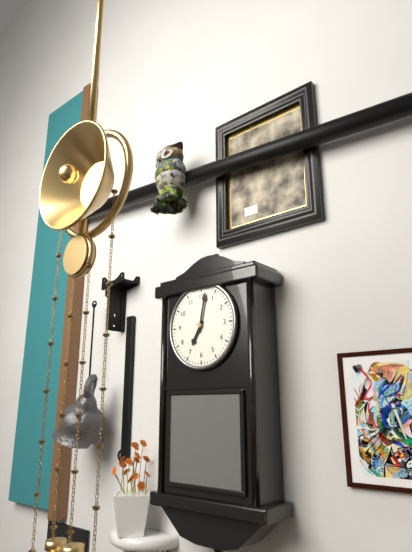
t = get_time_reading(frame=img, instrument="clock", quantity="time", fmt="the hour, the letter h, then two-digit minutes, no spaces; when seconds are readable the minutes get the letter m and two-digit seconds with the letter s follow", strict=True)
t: 7h02
